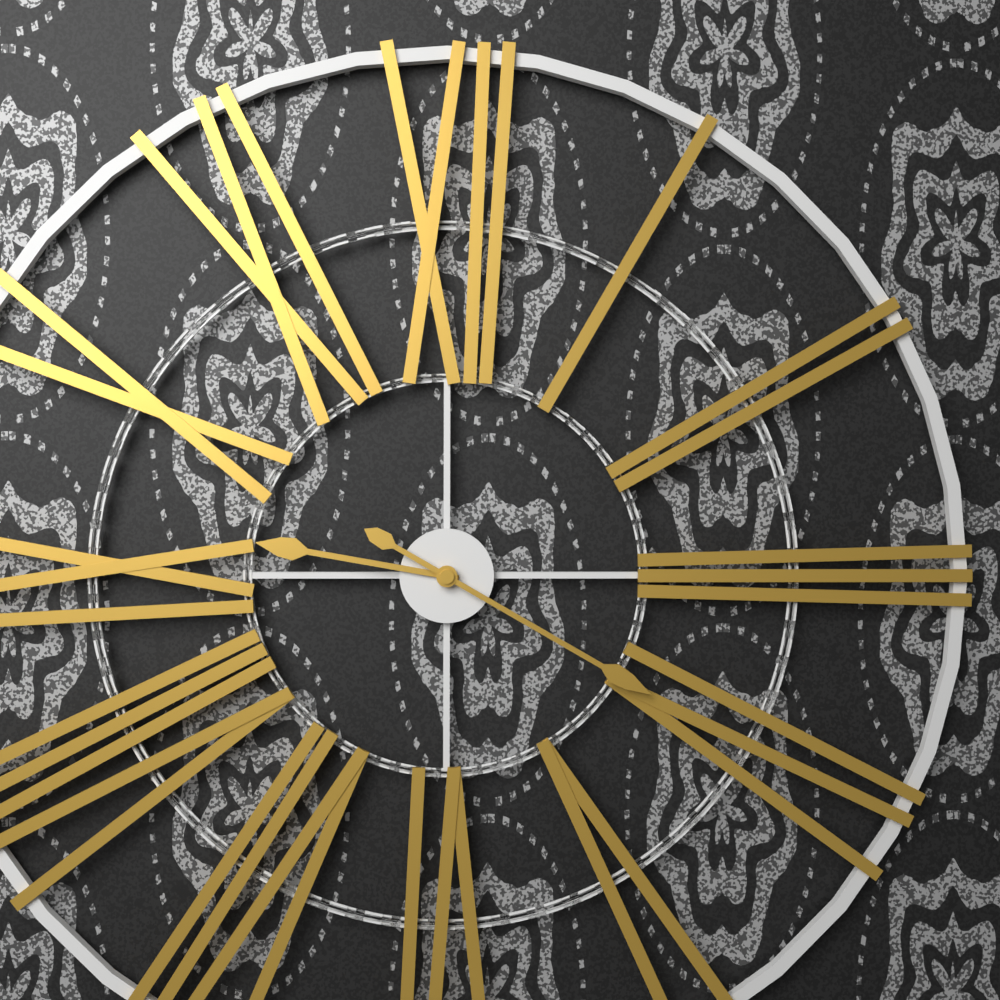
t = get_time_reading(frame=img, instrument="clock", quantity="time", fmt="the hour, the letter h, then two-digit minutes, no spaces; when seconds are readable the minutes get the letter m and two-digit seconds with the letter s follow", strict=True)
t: 9h20
